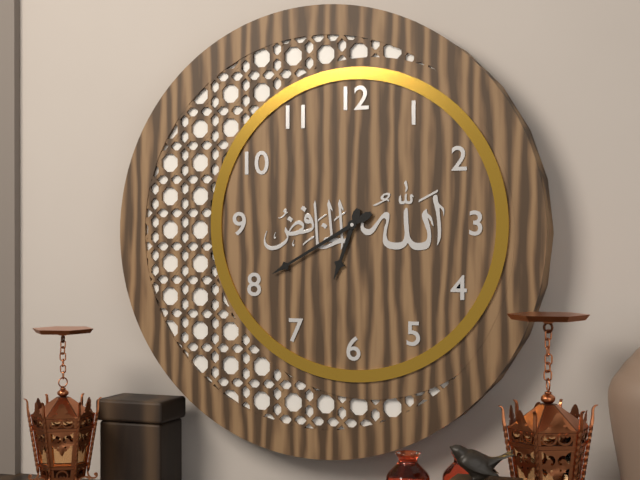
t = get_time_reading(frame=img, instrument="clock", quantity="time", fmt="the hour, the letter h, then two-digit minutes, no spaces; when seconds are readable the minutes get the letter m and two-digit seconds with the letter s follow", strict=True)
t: 6h40
